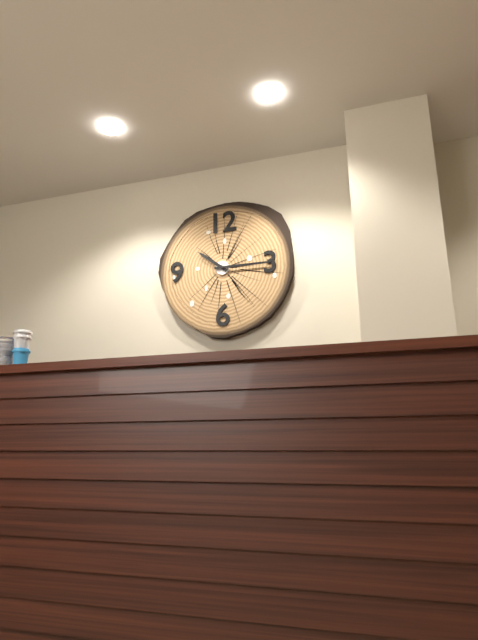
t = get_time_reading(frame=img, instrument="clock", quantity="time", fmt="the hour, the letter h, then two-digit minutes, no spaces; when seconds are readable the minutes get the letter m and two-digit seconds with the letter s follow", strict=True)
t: 10h15
